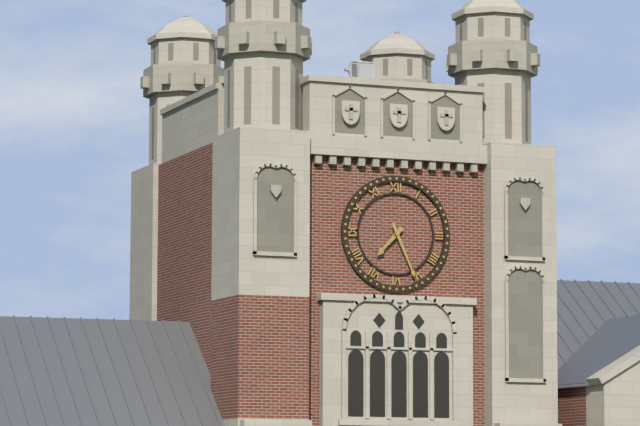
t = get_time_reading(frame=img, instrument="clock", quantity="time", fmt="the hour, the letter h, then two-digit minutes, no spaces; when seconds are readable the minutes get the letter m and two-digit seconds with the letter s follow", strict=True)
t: 7h26
